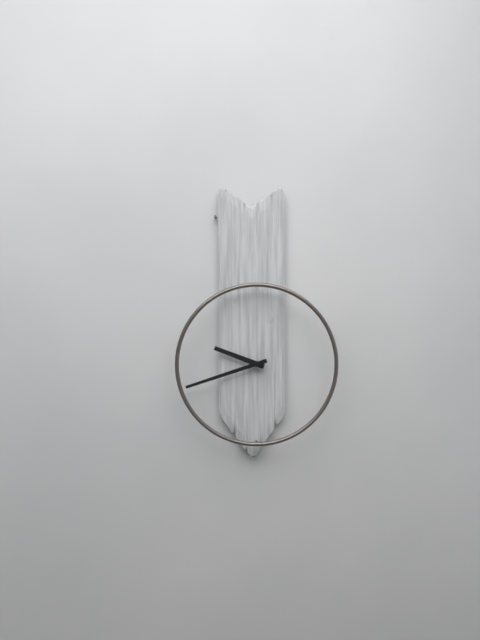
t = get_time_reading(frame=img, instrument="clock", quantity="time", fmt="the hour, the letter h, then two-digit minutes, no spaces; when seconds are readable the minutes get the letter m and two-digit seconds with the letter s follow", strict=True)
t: 9h42
